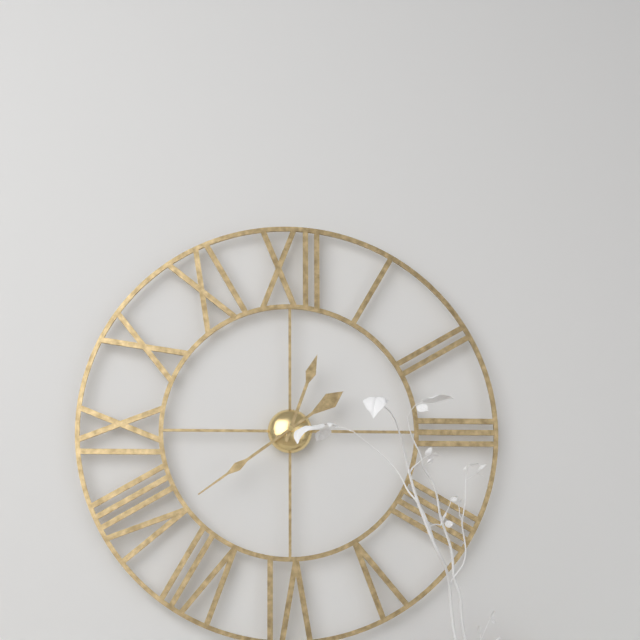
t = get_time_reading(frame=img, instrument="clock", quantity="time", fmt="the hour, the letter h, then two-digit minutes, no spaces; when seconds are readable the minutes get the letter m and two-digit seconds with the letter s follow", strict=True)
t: 12h39
